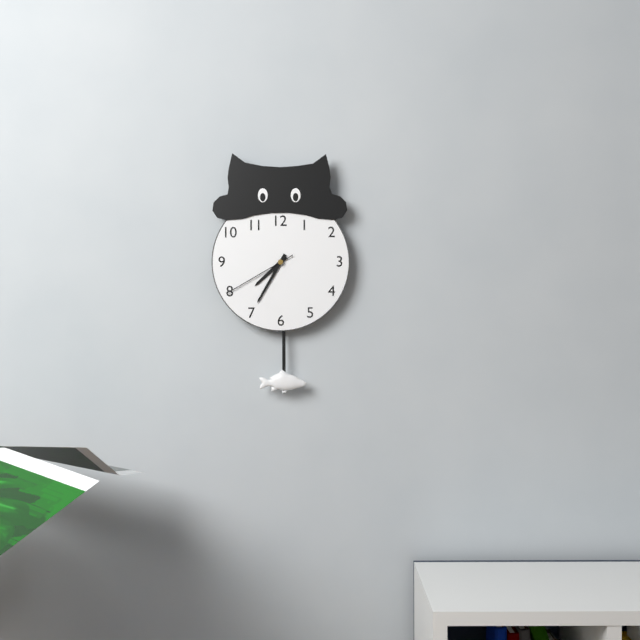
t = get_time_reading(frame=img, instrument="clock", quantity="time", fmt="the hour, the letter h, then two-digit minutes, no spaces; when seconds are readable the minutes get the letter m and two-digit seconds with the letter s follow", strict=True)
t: 7h35m40s
